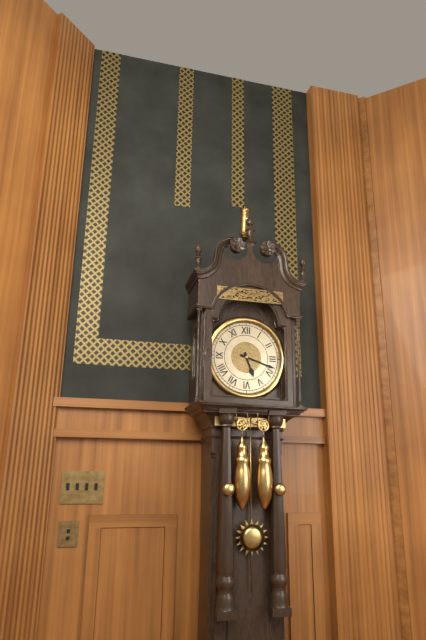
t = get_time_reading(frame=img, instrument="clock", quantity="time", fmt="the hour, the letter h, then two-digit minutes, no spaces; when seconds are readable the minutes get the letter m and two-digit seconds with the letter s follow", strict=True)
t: 5h18
